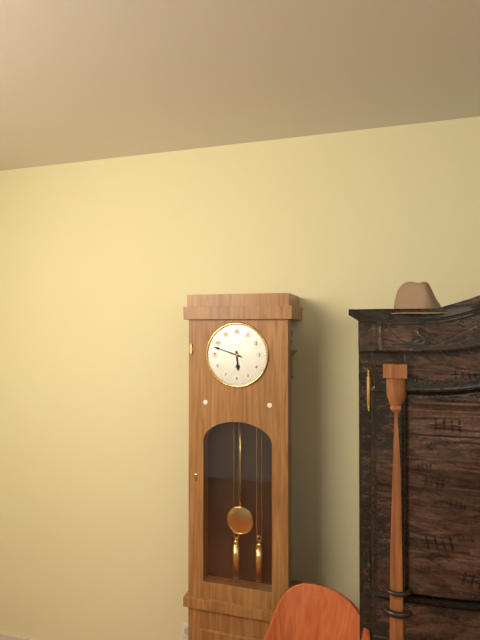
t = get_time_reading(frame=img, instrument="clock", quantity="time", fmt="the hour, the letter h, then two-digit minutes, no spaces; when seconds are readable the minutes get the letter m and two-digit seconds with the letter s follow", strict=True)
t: 5h48
